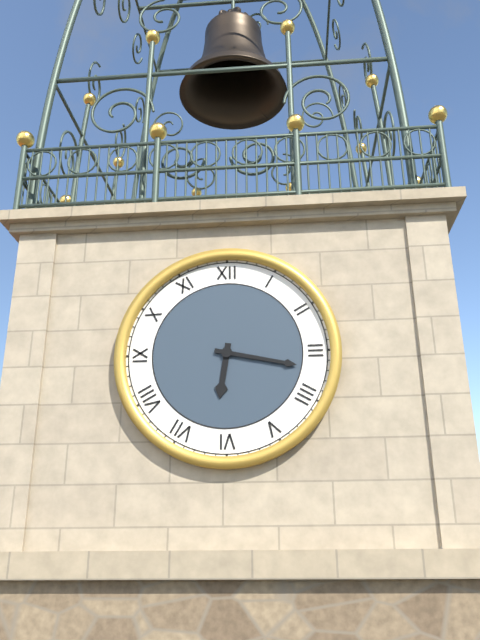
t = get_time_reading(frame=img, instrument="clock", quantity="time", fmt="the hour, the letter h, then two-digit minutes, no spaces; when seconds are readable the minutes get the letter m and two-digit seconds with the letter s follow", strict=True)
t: 6h17
